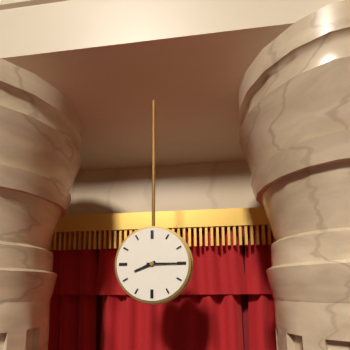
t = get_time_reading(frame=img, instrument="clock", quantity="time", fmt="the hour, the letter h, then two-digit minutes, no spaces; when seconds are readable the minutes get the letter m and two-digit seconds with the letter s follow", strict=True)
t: 8h15
